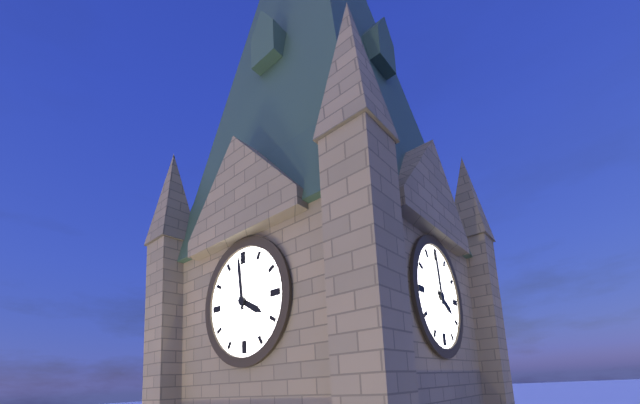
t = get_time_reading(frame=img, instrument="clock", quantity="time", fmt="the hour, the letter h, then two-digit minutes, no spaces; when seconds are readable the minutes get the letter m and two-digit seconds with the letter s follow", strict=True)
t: 3h59
